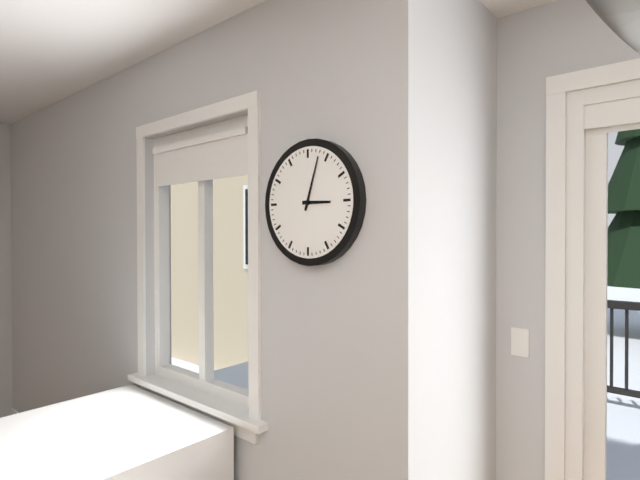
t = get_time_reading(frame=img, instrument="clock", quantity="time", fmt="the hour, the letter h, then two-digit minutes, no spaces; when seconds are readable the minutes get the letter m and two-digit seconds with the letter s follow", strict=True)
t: 3h03
